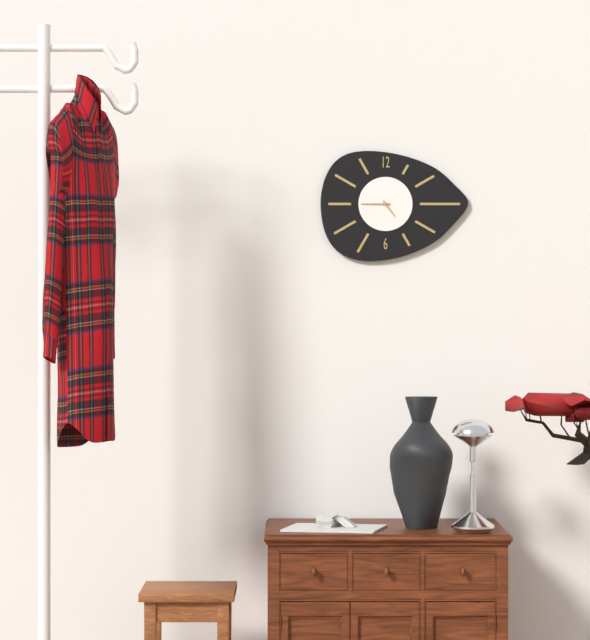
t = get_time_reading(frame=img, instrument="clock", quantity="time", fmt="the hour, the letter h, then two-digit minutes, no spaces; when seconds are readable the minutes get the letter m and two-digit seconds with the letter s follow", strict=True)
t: 4h45
